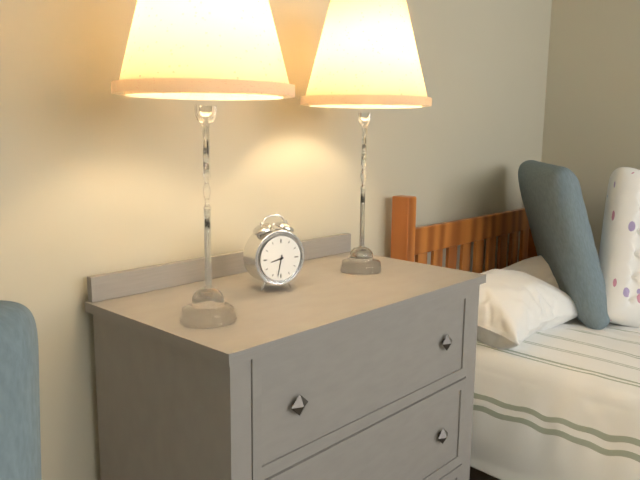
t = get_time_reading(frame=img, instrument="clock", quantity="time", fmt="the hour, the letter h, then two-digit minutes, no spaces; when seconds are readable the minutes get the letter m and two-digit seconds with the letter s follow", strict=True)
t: 8h32
